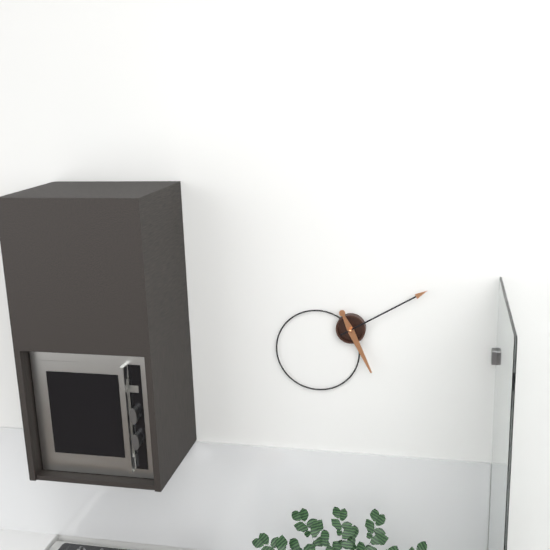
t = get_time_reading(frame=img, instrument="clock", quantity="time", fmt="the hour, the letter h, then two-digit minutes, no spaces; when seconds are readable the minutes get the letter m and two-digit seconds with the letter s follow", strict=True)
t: 5h10
